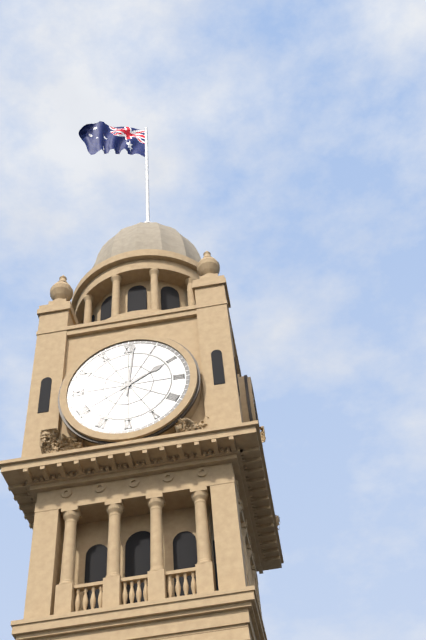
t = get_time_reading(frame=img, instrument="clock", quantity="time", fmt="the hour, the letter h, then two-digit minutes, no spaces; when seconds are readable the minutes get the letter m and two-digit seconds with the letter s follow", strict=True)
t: 2h01
